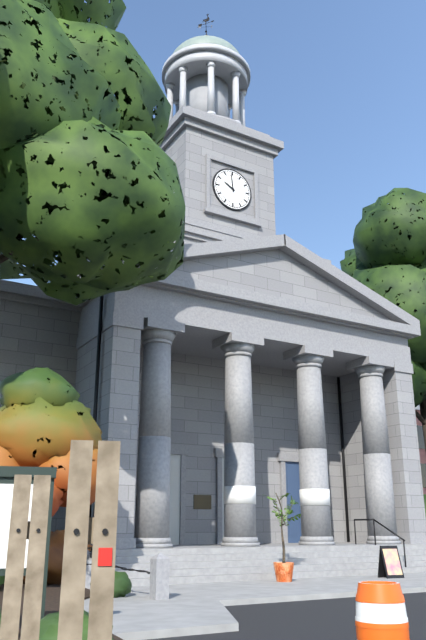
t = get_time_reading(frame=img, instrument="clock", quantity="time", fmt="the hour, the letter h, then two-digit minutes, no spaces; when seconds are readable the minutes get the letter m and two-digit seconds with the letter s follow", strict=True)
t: 9h59
